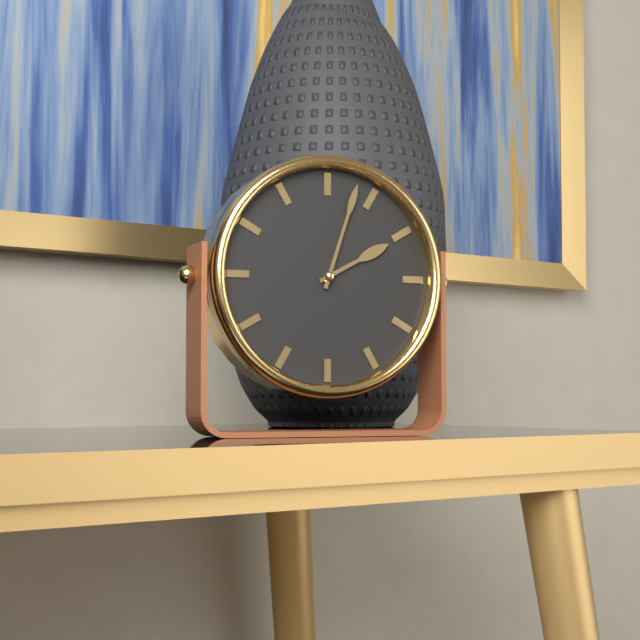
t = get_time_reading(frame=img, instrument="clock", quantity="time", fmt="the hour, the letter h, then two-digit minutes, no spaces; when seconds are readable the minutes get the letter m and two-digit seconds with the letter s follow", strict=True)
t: 2h03
